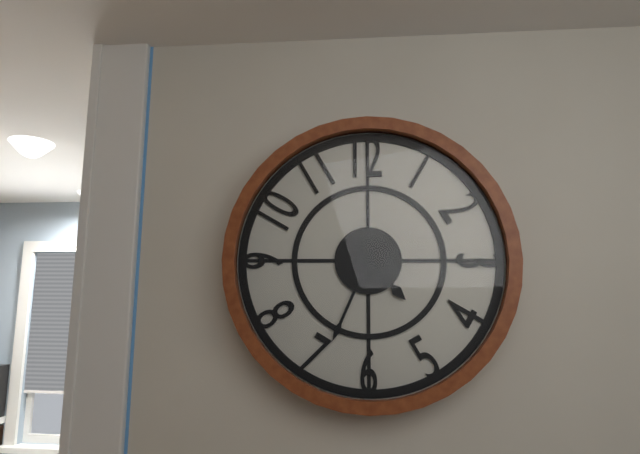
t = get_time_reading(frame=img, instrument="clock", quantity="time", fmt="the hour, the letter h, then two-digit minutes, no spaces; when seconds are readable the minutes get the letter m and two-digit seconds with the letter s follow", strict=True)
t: 4h34
